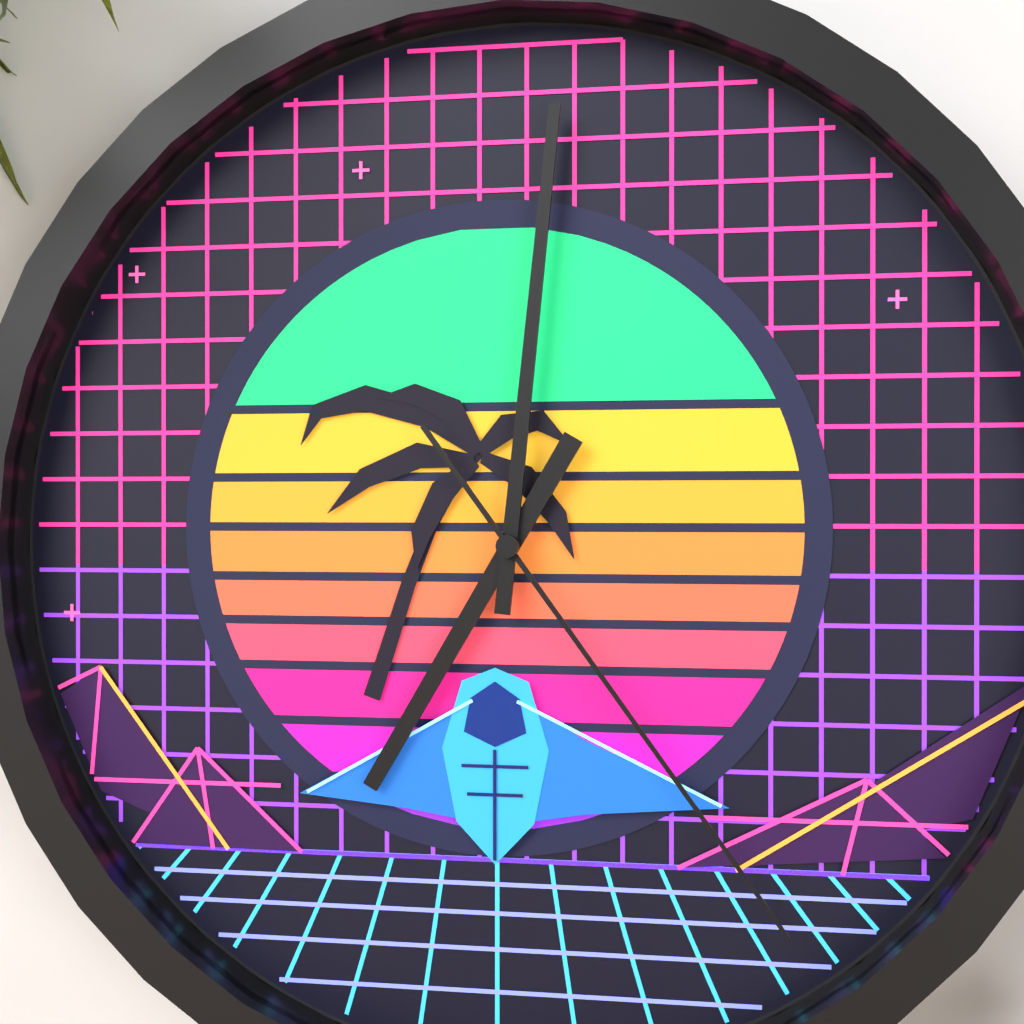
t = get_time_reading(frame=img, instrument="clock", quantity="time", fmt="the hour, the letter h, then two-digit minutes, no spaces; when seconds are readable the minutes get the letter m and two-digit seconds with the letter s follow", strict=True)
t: 7h01m24s
